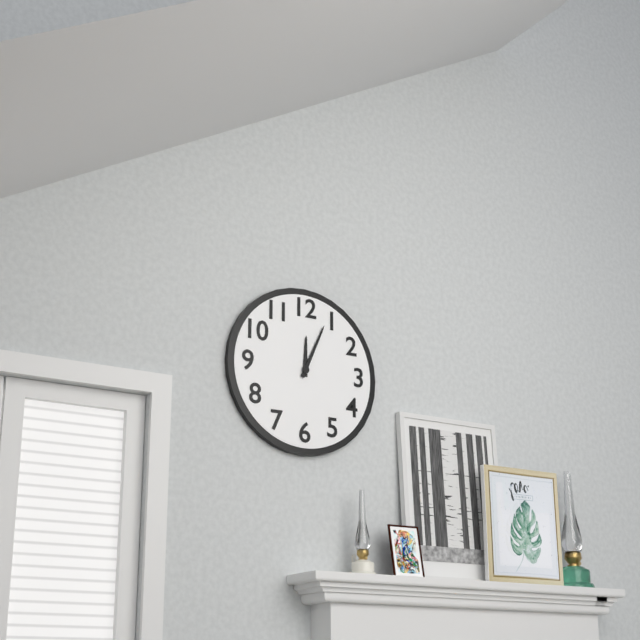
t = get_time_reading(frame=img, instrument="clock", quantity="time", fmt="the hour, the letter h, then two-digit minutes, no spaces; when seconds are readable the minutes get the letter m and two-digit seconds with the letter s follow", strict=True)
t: 12h04
